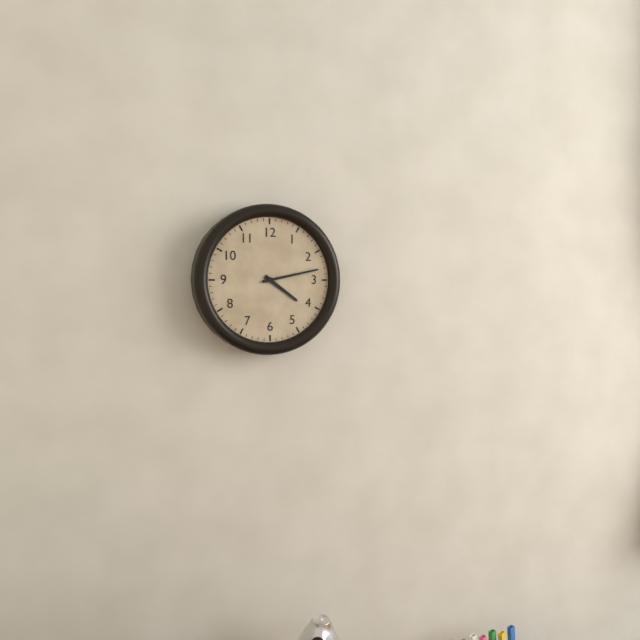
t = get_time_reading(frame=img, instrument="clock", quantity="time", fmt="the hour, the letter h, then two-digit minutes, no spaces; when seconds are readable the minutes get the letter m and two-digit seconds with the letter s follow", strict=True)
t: 4h13
